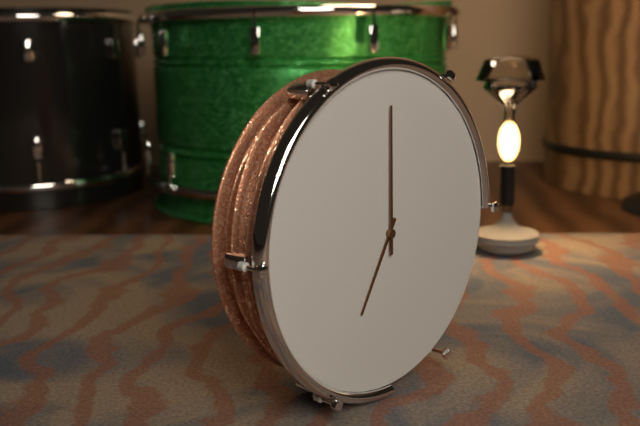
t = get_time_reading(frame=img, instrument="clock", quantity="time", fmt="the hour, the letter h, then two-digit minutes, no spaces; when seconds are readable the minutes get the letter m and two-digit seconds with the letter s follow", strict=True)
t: 7h00
